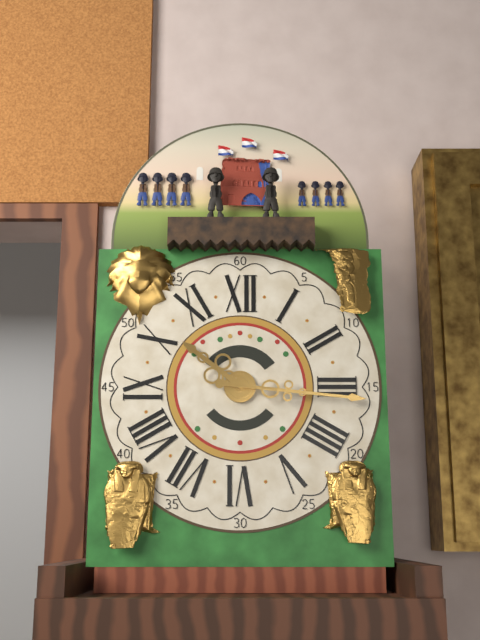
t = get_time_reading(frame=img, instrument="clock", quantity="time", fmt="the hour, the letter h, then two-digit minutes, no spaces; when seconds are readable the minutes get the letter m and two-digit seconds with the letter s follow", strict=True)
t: 10h16
